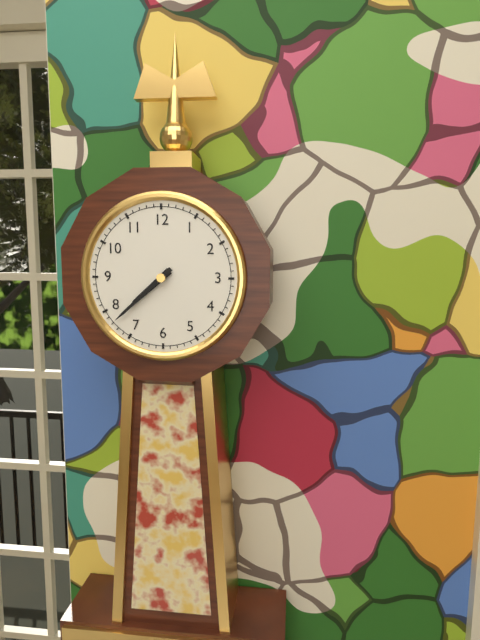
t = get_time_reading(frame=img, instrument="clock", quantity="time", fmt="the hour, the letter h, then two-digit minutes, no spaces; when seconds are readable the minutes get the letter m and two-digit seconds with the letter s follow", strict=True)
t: 7h38
